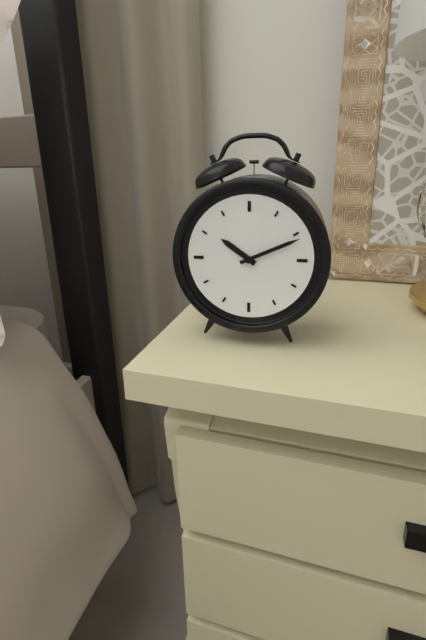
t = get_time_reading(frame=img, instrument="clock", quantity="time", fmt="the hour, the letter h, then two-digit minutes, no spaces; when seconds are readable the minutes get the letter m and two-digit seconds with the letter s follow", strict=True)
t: 10h11
